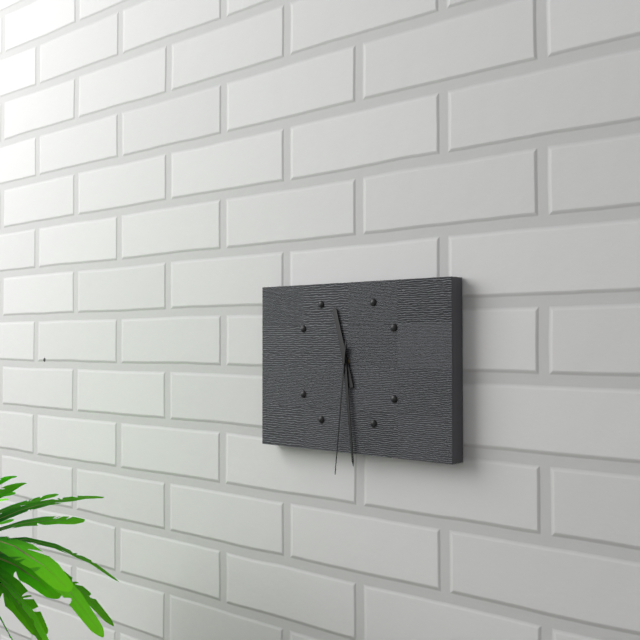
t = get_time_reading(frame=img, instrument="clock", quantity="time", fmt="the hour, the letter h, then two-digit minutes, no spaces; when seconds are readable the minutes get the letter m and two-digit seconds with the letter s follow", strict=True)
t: 11h29m31s
